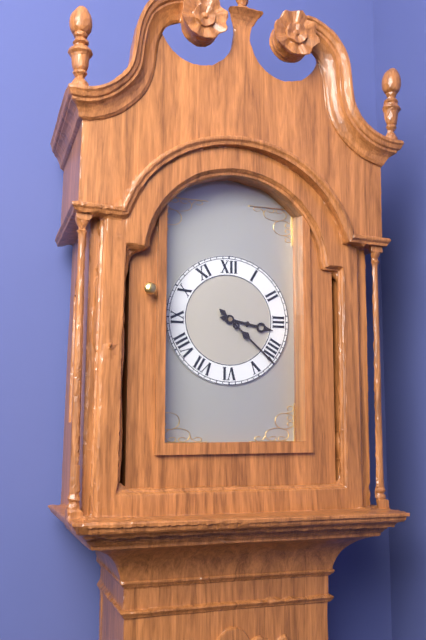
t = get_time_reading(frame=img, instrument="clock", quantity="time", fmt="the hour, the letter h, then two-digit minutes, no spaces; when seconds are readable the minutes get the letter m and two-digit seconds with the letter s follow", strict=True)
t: 3h22
